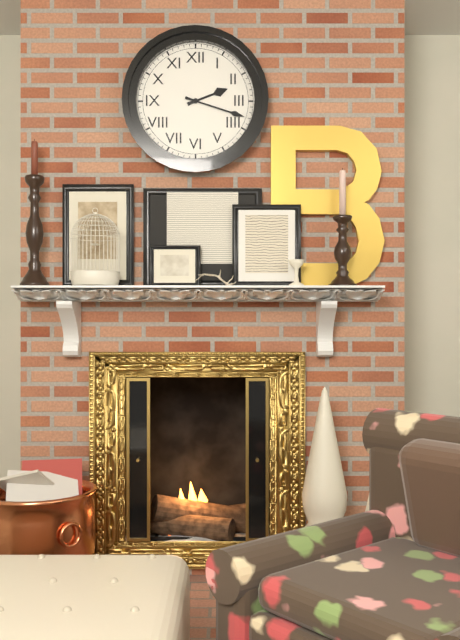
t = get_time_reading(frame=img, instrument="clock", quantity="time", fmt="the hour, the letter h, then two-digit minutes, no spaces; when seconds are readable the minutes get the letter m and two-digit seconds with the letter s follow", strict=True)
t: 2h18
